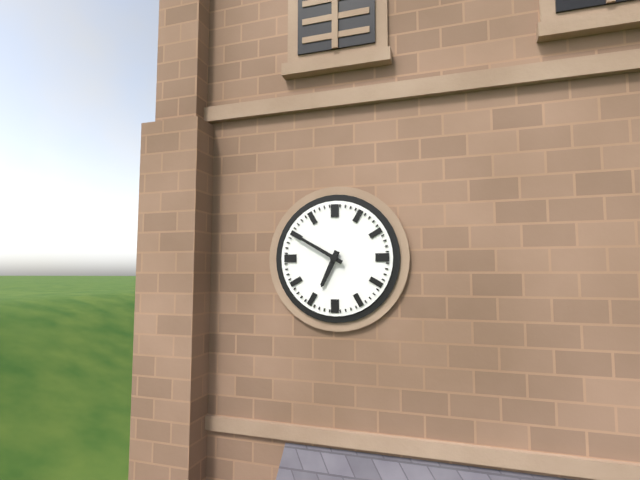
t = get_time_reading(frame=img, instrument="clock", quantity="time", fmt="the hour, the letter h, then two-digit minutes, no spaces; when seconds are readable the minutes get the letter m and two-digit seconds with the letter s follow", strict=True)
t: 6h50
